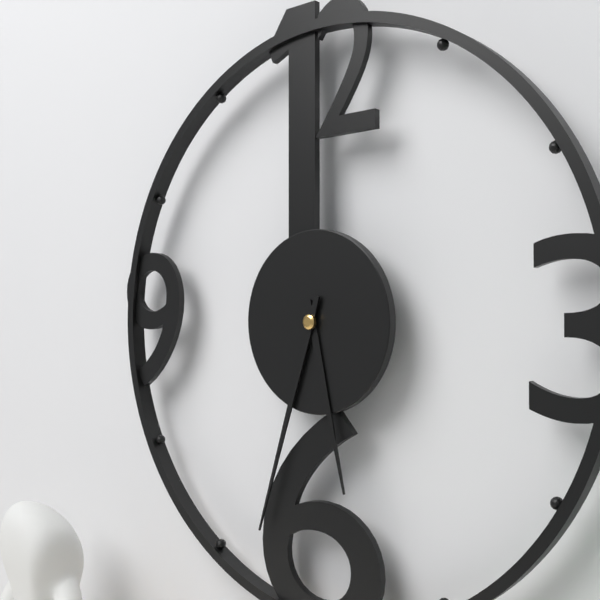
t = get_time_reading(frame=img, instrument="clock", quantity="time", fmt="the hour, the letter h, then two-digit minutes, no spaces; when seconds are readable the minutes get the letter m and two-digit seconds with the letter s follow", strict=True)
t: 5h33
